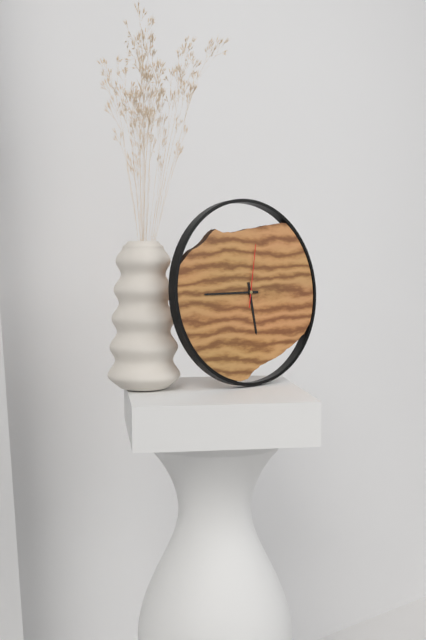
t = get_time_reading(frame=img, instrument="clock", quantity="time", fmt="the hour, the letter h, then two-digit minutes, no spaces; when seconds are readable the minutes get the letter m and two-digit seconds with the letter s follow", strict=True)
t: 5h45m02s
